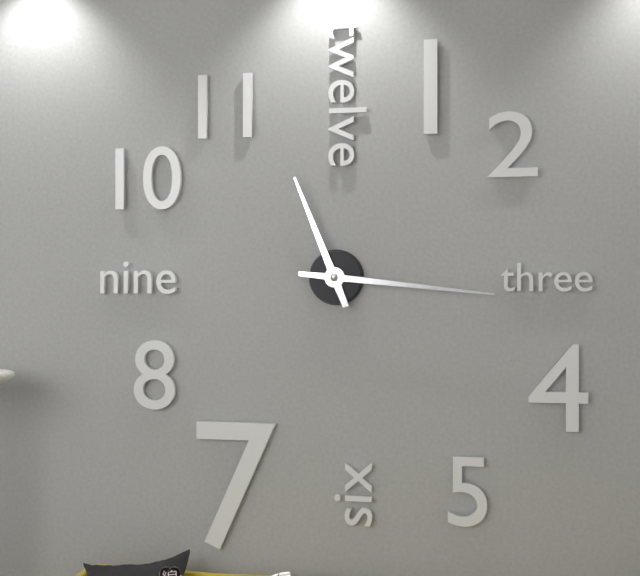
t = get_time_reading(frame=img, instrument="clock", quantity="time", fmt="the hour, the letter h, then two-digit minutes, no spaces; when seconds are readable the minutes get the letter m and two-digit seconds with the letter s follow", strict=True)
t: 11h16
